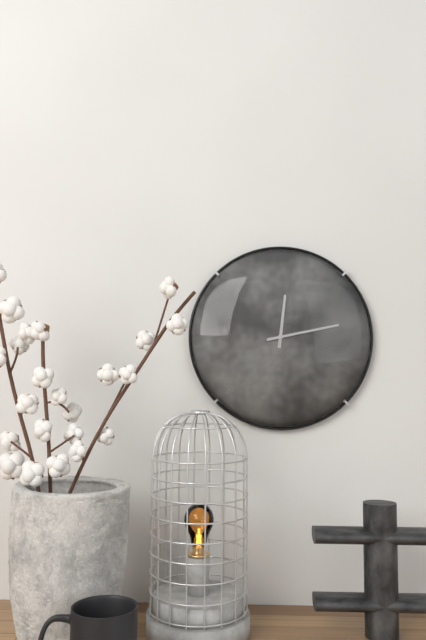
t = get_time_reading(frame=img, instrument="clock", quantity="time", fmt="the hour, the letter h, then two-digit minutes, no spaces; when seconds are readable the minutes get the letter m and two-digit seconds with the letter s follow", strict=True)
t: 12h13
